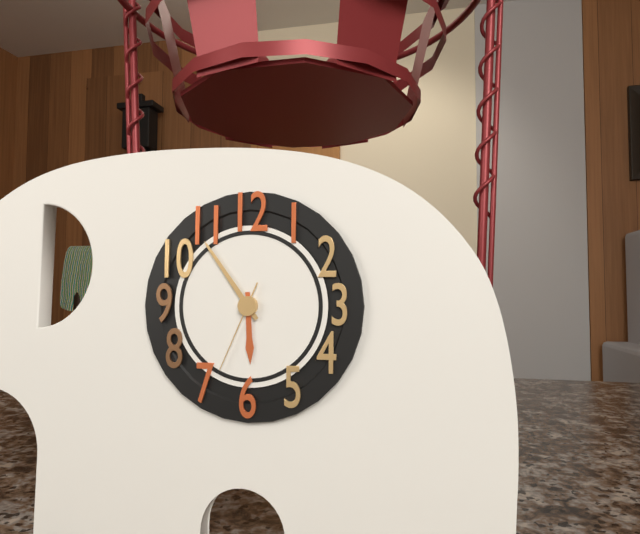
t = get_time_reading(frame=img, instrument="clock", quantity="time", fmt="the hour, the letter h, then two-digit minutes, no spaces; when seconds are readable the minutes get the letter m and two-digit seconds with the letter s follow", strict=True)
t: 5h54m34s
